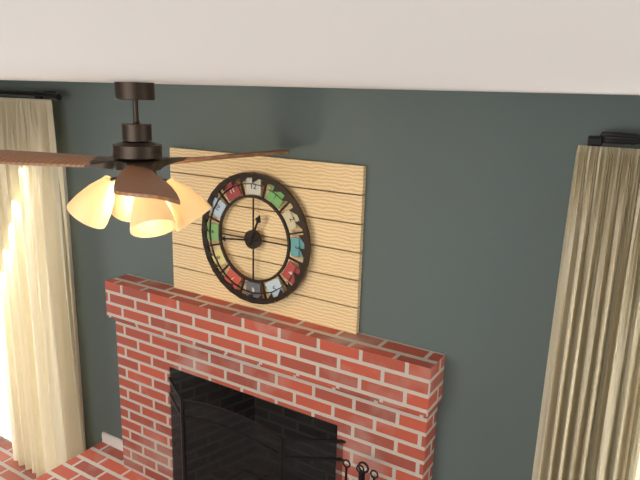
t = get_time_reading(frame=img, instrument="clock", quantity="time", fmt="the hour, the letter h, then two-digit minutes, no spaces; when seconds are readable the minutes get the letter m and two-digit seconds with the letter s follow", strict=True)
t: 12h44
